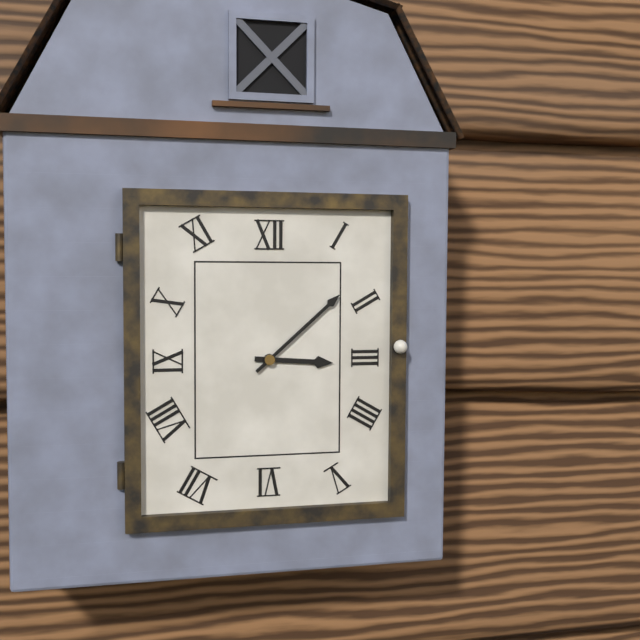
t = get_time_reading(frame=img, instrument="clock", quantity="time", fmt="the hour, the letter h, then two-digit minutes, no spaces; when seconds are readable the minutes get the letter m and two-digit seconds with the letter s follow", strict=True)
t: 3h08
